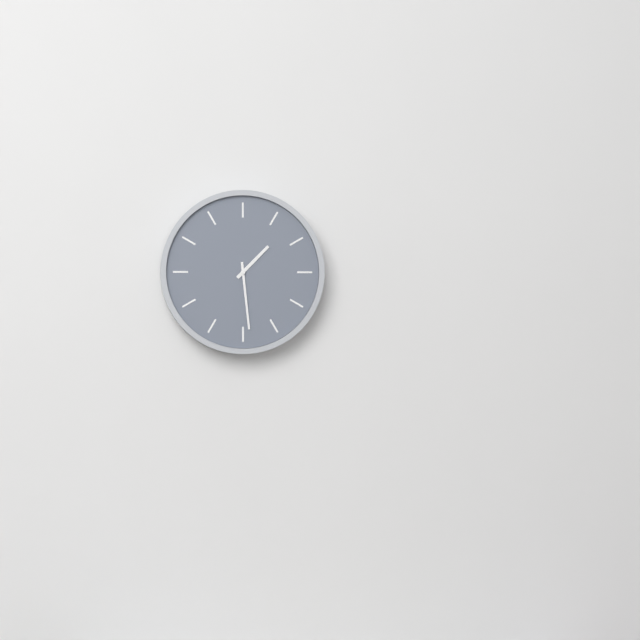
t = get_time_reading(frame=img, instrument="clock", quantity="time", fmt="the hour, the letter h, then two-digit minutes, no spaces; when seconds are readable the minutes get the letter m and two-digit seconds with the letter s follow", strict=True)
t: 1h29
